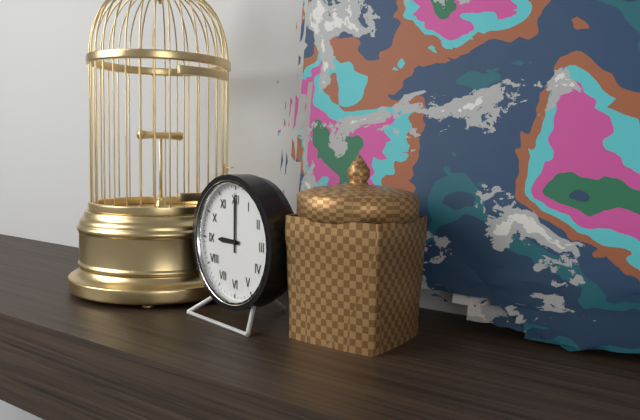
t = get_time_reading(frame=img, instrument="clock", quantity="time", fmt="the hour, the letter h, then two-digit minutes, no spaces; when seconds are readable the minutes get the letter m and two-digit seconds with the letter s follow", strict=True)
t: 9h00
